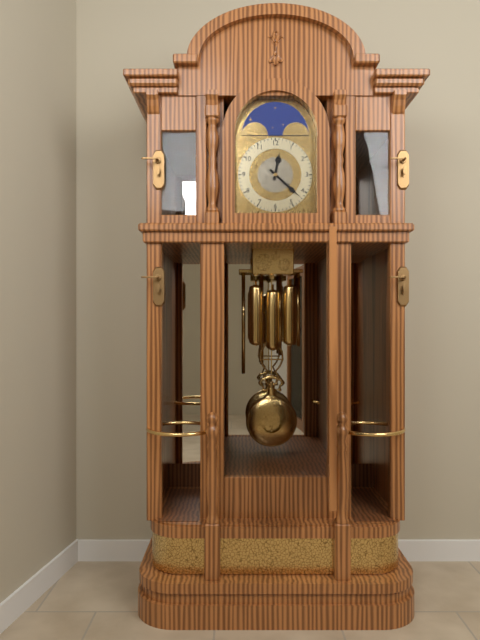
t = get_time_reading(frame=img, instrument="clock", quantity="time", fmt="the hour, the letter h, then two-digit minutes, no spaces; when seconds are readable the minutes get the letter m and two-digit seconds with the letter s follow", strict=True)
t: 12h22
